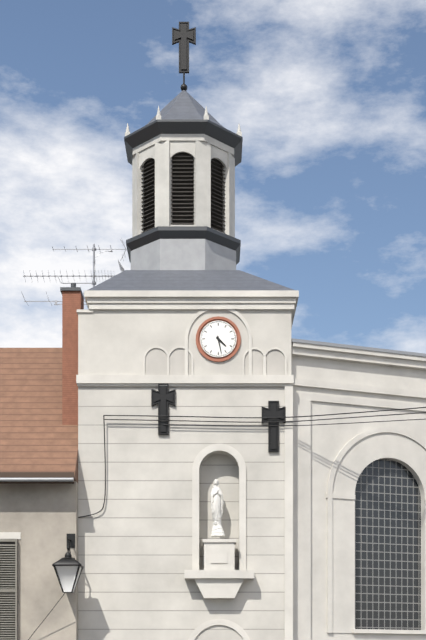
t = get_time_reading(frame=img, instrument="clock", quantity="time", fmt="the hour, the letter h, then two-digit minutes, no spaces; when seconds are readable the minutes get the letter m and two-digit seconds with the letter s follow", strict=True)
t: 4h28
